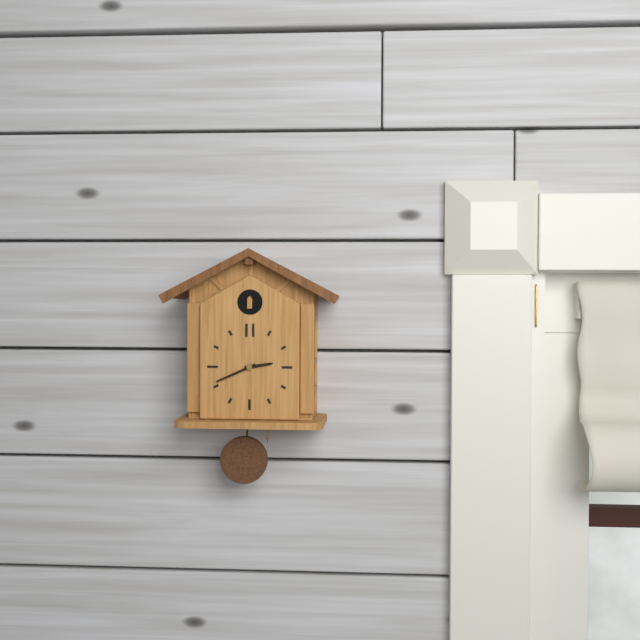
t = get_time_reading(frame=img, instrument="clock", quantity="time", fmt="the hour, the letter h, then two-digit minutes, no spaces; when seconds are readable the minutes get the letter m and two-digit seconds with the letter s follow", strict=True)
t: 2h41
